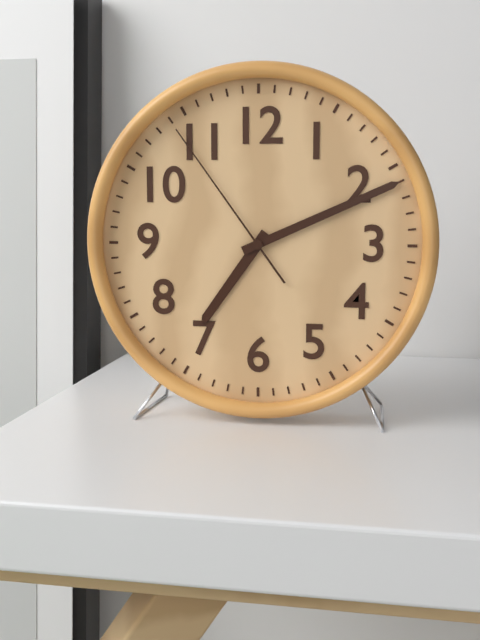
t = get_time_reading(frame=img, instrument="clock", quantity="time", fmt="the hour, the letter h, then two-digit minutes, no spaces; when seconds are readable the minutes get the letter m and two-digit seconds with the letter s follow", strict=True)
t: 7h11m54s
